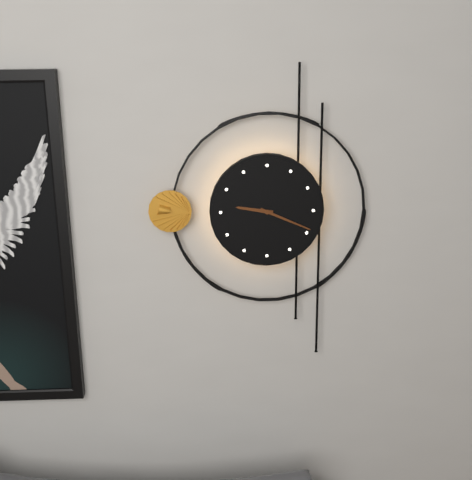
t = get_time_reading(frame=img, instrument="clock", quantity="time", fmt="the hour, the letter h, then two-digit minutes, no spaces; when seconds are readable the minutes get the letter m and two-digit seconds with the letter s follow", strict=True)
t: 9h19
